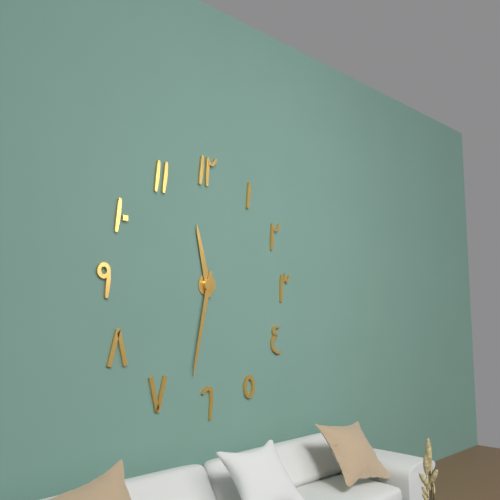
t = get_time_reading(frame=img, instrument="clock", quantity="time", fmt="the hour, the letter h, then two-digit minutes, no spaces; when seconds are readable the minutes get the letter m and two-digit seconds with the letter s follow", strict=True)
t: 11h32
